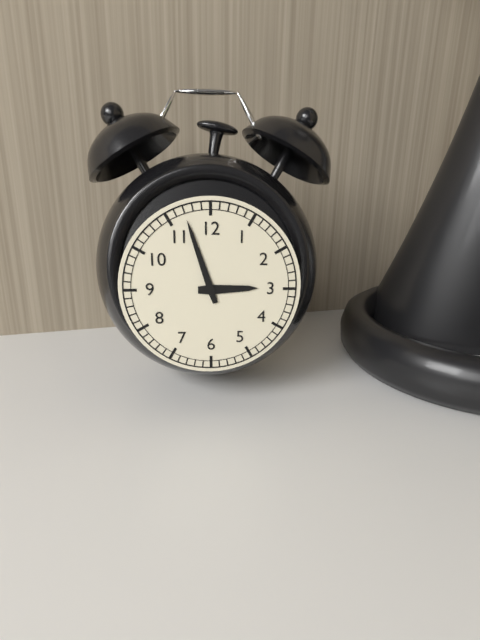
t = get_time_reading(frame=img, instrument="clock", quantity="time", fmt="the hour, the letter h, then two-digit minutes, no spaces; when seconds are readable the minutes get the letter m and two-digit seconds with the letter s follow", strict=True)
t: 2h57
